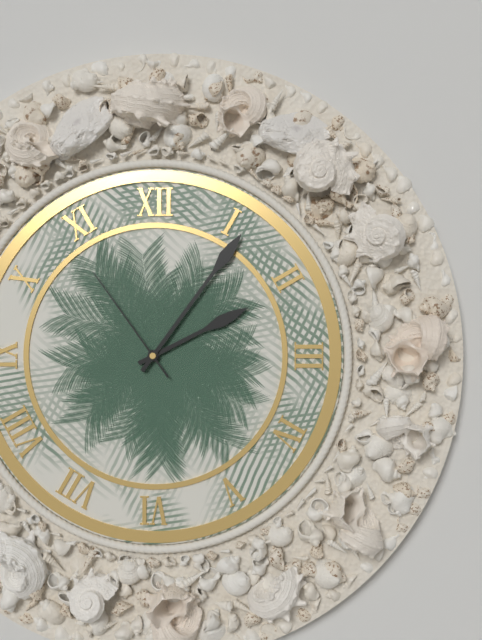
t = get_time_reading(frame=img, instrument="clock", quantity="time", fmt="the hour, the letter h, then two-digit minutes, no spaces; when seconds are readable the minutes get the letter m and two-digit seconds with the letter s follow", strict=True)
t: 2h06m54s
